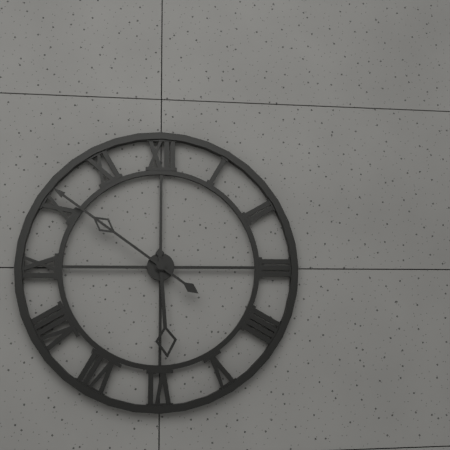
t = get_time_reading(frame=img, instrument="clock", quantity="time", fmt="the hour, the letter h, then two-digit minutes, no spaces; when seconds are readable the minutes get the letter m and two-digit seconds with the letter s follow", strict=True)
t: 5h51
